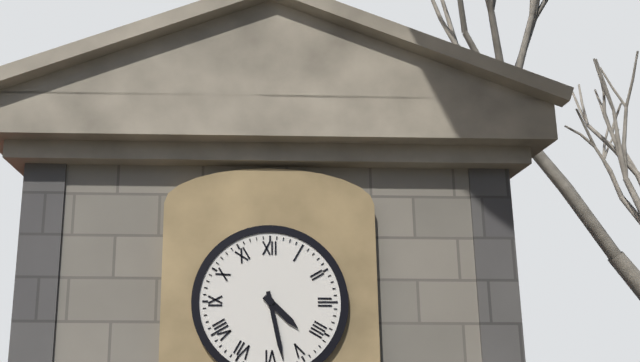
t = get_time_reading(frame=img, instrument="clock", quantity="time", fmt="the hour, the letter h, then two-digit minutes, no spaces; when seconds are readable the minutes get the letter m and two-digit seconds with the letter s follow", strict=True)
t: 4h28
